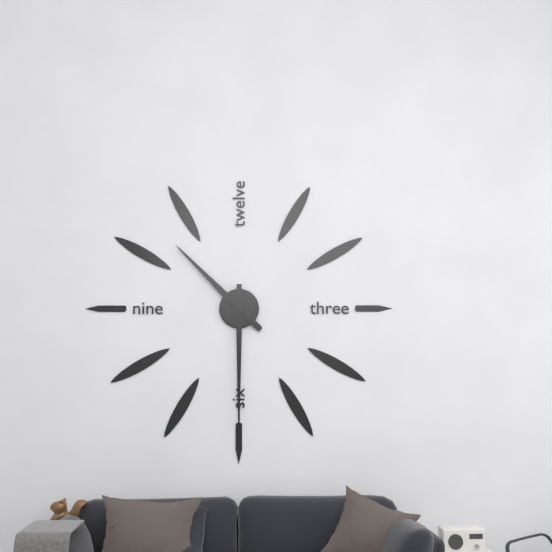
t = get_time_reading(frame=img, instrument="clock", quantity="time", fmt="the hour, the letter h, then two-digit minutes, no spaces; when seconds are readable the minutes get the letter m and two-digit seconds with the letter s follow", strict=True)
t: 10h30
